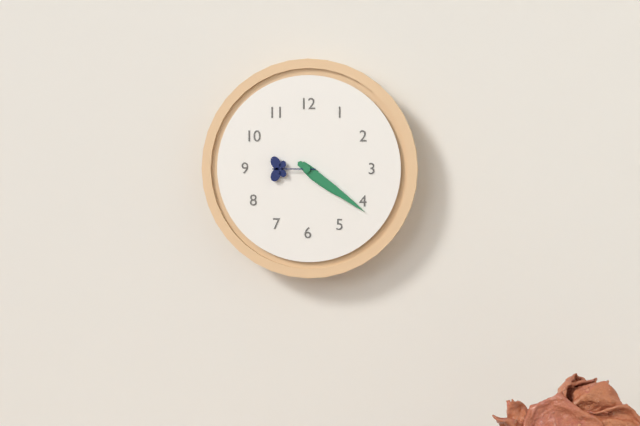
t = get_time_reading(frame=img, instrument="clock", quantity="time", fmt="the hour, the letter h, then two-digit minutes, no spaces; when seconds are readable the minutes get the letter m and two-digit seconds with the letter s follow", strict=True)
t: 4h21
